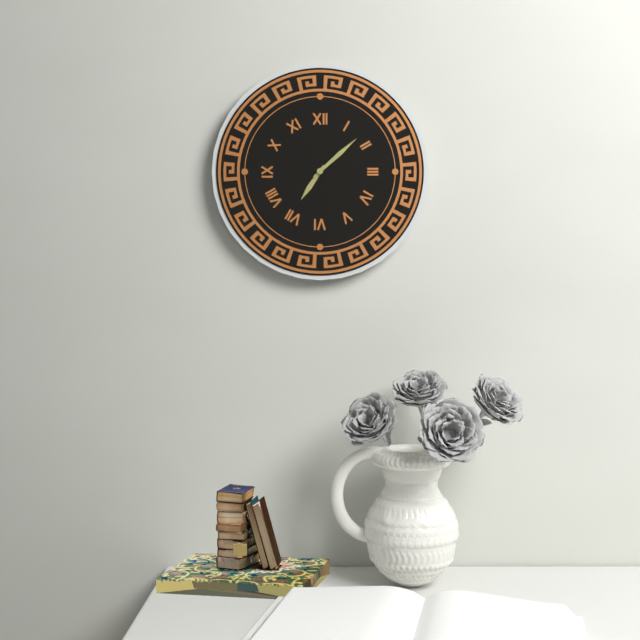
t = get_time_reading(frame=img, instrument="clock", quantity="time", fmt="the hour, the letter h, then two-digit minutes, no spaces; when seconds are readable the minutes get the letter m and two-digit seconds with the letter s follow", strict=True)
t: 7h08
